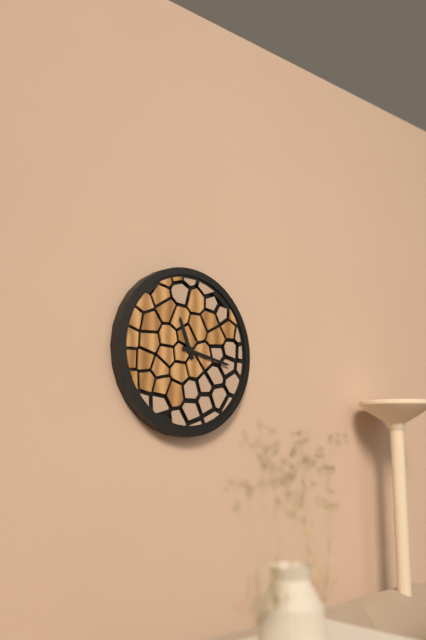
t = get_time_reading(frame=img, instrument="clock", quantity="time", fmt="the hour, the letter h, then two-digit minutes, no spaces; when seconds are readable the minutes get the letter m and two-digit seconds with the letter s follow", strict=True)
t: 11h17
